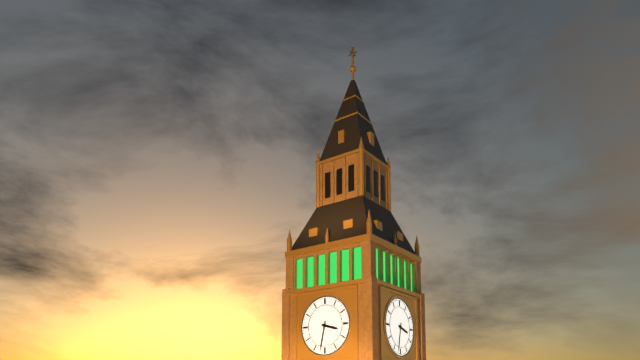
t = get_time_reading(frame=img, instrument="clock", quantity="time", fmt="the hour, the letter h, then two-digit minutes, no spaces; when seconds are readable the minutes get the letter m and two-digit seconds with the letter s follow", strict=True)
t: 3h32
